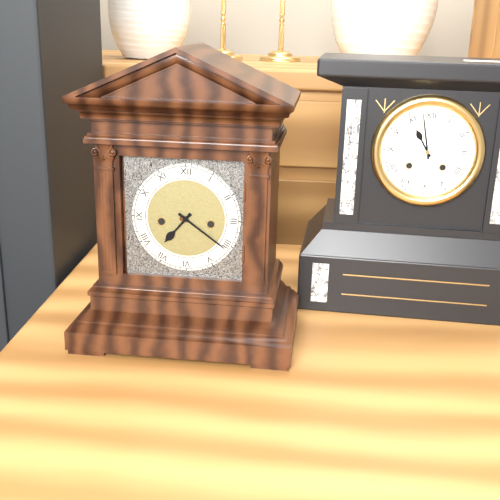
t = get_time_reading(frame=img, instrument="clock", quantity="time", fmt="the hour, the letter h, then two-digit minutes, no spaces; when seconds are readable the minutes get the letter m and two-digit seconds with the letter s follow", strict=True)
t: 7h21
